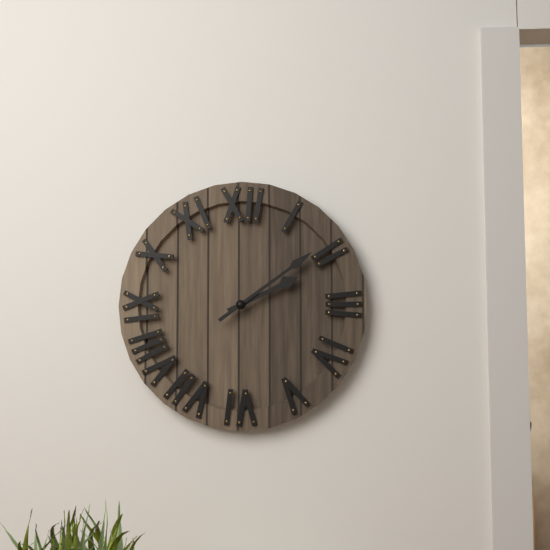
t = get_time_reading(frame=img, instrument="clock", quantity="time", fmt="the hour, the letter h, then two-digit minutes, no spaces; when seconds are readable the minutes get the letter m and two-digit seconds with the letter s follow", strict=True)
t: 2h09
